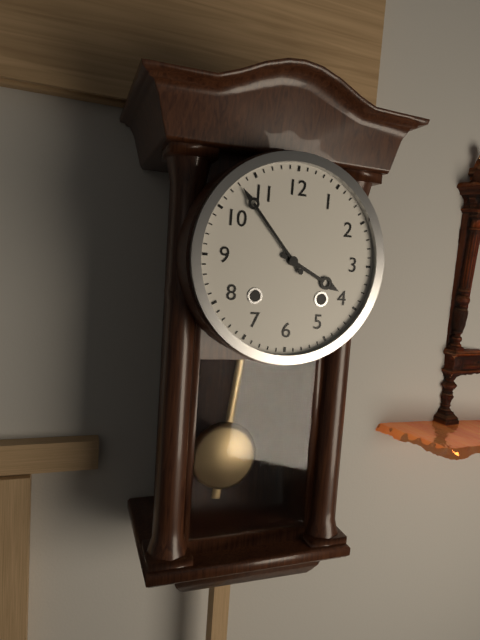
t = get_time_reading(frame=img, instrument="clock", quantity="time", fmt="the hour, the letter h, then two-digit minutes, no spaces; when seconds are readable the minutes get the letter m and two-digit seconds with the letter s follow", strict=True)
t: 3h53
